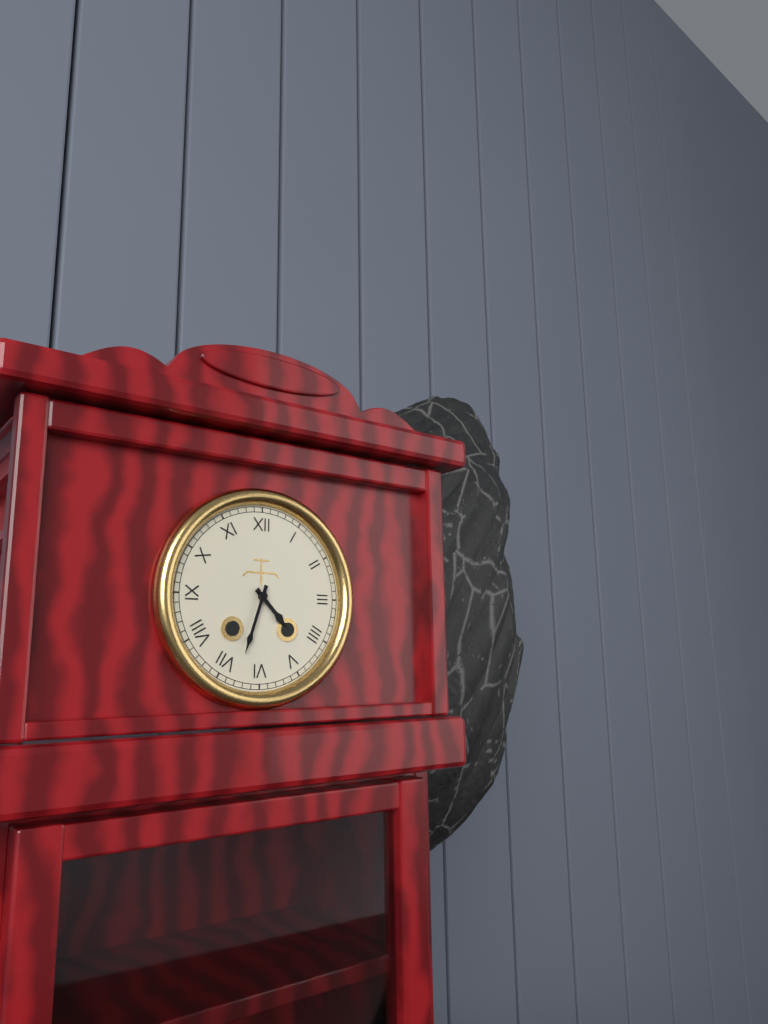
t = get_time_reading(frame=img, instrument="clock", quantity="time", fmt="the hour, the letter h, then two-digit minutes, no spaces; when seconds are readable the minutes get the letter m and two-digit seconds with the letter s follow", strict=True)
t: 4h33
